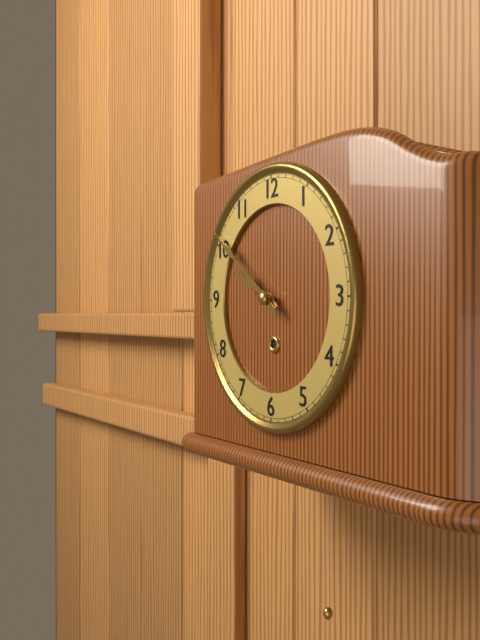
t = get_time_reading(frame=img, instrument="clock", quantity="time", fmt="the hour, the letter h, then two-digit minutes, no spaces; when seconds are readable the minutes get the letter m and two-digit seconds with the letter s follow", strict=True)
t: 9h51
